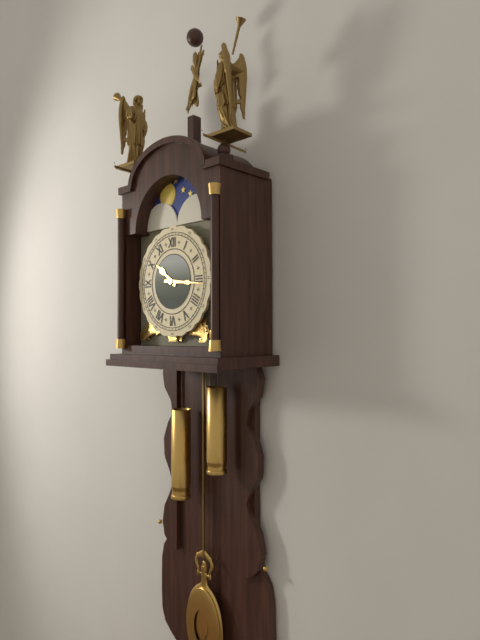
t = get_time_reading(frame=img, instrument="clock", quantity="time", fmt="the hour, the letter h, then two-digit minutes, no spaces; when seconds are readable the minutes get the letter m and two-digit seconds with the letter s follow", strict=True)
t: 10h16
